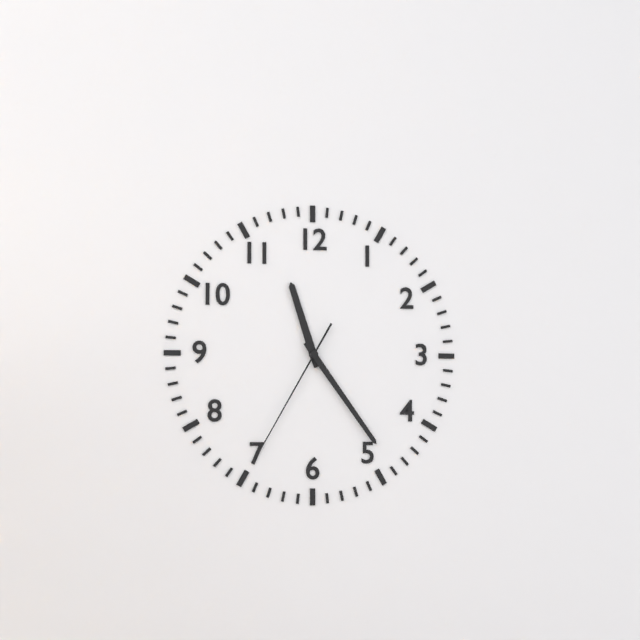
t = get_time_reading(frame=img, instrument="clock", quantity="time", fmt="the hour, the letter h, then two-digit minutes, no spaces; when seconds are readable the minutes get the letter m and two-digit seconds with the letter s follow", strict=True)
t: 11h24m35s
